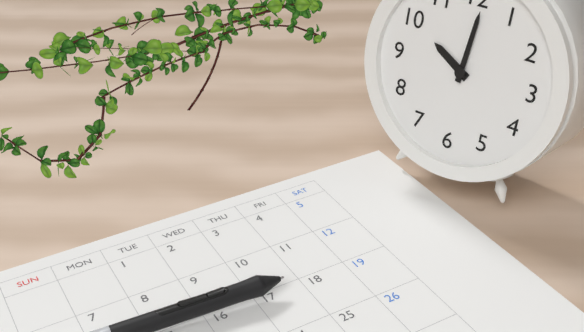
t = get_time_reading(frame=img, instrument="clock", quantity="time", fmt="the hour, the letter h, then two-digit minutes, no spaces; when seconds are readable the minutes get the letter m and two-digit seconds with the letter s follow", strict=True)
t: 10h01
